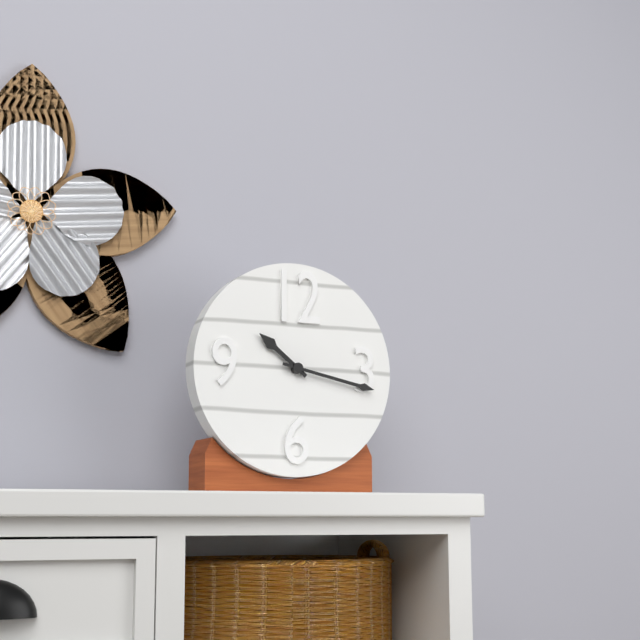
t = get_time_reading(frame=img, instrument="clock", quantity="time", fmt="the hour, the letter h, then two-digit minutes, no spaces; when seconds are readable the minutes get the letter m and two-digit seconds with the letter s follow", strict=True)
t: 10h17
